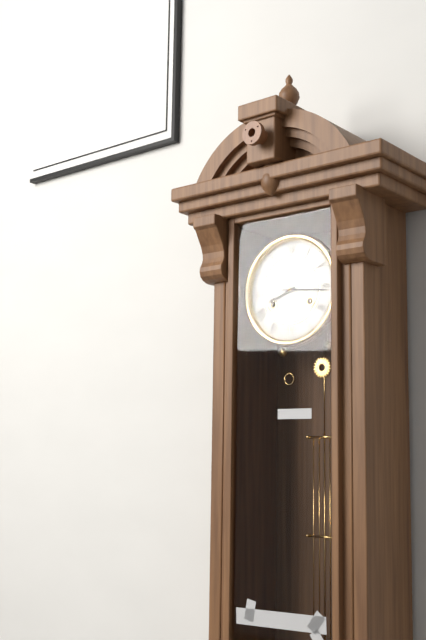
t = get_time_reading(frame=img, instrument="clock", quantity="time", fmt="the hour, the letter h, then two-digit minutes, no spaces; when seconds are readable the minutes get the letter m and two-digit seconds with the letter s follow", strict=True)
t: 8h16
